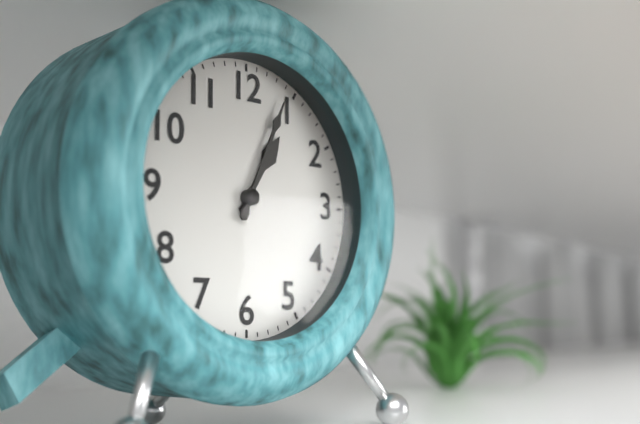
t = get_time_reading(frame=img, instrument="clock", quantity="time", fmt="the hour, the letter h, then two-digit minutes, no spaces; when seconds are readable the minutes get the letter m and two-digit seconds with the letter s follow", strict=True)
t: 1h04
